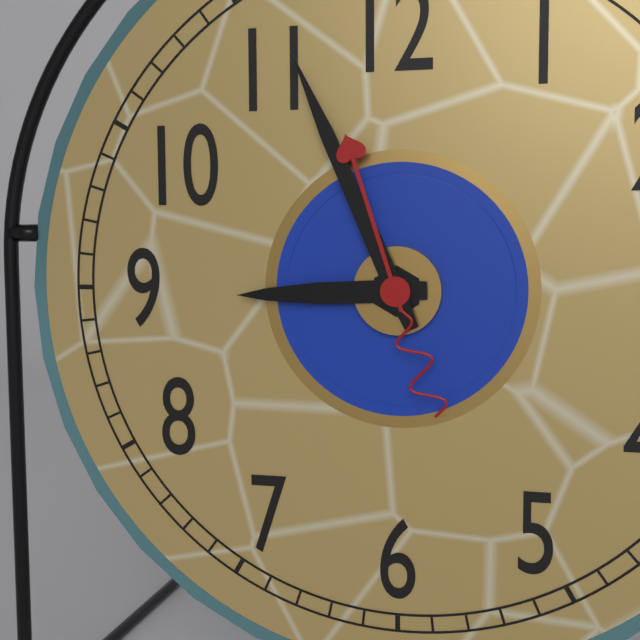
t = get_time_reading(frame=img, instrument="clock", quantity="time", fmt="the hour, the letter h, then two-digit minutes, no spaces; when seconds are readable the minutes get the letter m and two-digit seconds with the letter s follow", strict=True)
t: 8h56m57s
